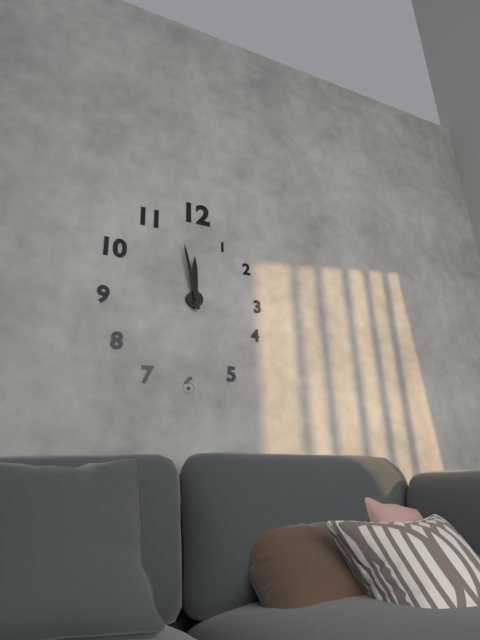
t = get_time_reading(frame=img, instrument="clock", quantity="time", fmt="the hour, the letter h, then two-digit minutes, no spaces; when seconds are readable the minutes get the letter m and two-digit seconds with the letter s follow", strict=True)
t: 11h58
